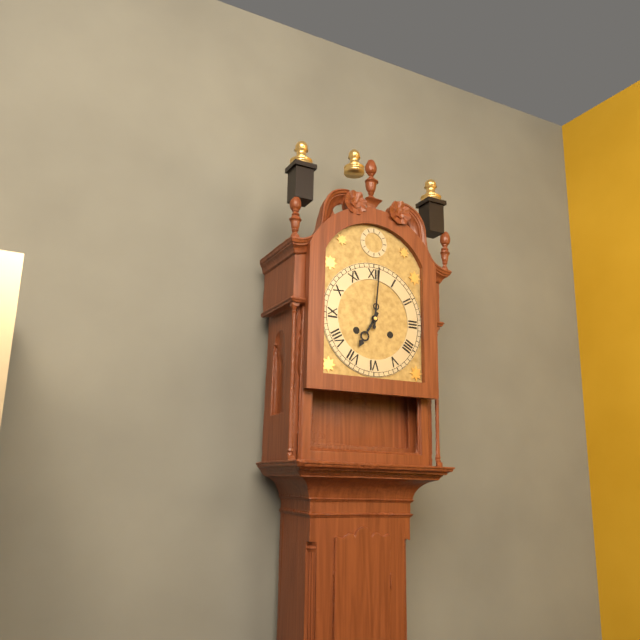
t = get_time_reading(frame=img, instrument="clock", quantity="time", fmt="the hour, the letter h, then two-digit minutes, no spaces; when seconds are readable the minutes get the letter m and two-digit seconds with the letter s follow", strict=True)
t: 7h01
